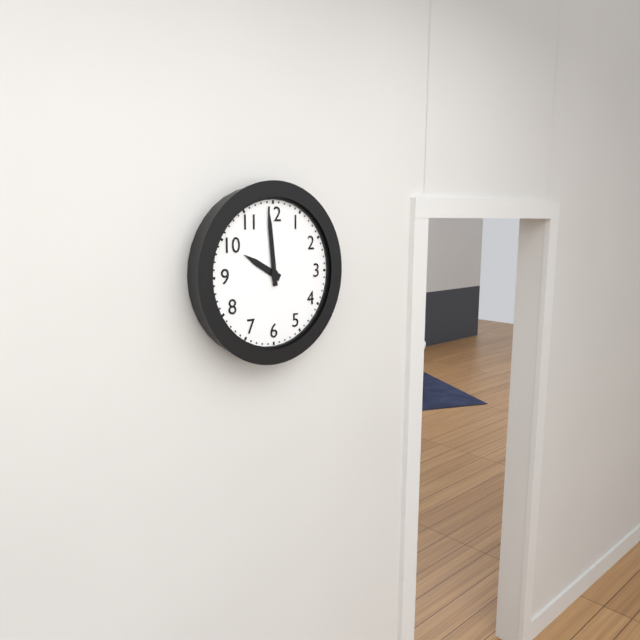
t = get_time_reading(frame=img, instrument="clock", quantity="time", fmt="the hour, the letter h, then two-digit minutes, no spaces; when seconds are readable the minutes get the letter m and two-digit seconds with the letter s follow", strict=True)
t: 9h59
